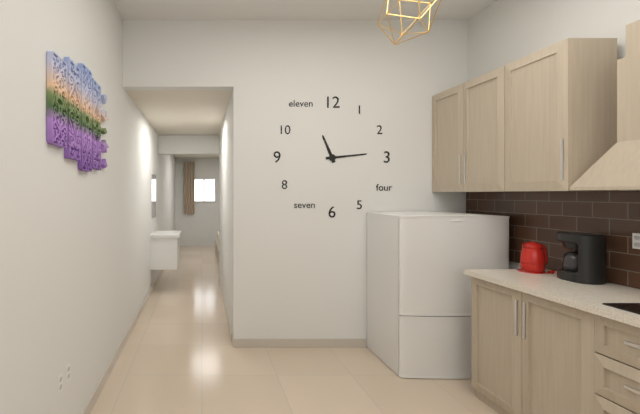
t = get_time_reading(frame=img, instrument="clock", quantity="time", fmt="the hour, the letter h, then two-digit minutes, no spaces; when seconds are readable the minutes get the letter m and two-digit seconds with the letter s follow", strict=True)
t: 11h14
